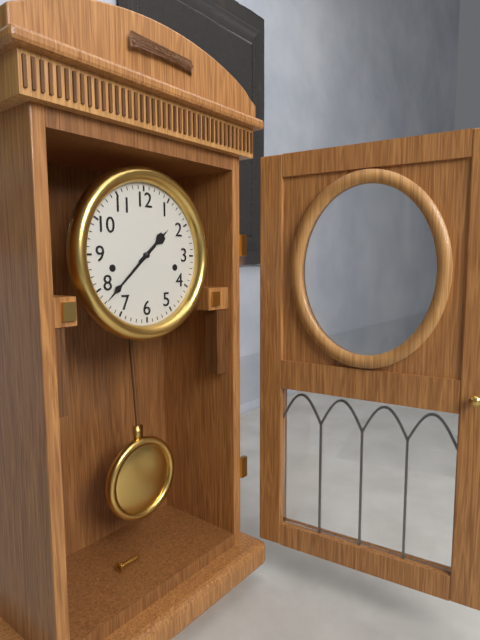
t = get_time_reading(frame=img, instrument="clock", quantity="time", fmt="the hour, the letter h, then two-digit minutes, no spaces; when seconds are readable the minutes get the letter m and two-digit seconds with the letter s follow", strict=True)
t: 1h38
